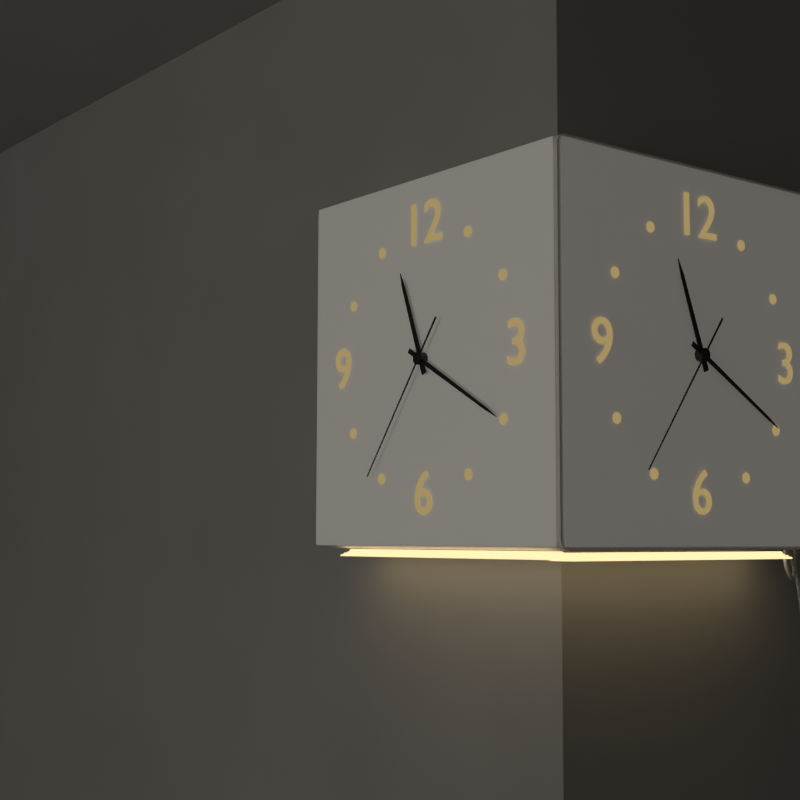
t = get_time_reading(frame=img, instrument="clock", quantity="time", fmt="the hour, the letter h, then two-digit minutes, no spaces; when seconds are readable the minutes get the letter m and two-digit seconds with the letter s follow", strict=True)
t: 11h20m36s
